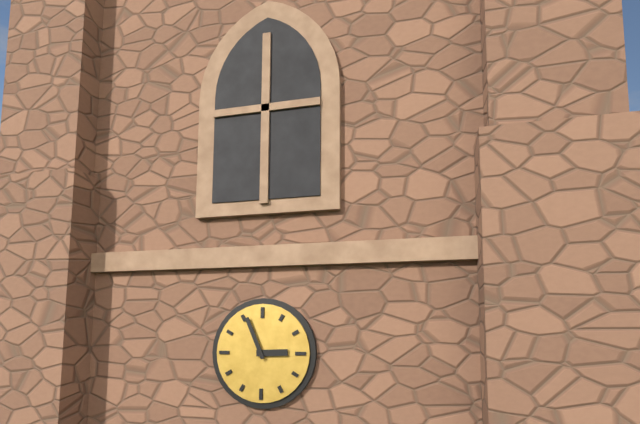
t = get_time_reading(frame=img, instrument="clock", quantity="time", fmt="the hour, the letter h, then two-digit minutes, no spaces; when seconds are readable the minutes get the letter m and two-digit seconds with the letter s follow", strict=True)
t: 2h56
